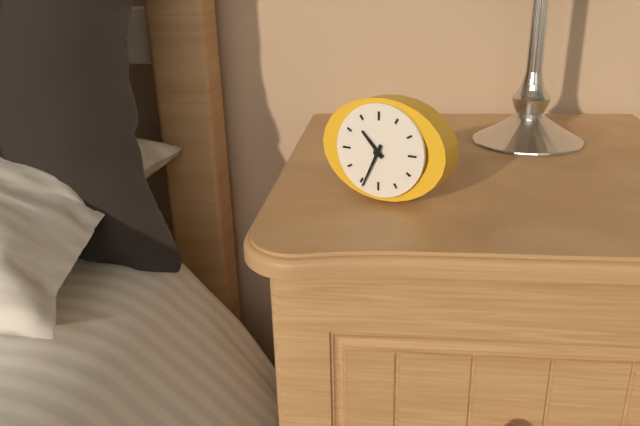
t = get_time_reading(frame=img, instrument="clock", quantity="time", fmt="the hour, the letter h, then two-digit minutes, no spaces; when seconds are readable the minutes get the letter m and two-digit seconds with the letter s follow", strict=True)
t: 10h34
